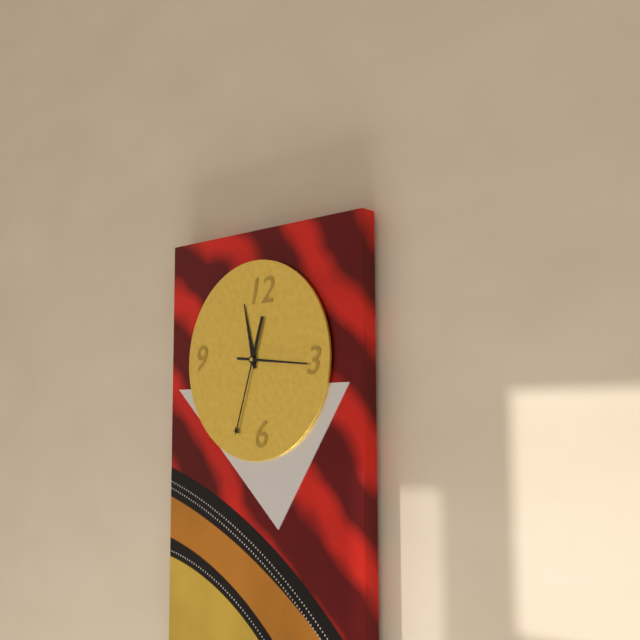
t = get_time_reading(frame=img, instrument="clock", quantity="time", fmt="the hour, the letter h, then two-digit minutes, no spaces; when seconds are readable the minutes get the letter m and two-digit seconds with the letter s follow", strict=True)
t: 11h33
